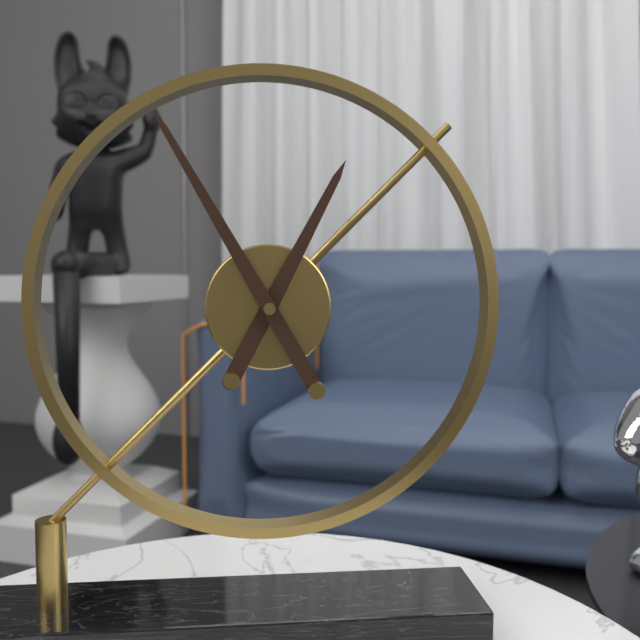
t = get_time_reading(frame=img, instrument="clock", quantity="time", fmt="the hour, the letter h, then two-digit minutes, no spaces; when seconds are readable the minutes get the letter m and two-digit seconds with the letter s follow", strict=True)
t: 12h55
